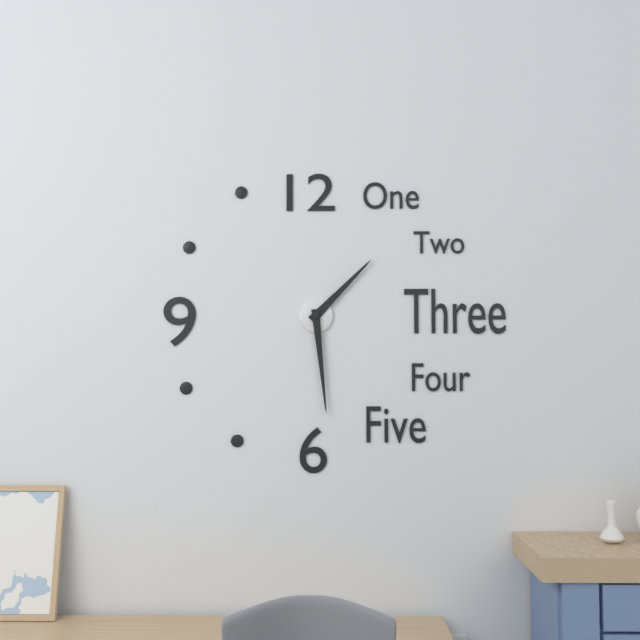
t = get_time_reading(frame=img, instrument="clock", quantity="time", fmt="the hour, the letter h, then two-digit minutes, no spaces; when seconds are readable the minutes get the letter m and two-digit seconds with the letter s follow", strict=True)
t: 1h29
